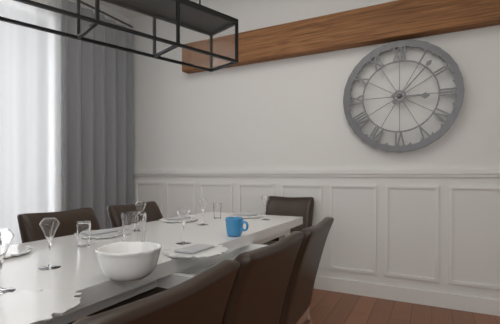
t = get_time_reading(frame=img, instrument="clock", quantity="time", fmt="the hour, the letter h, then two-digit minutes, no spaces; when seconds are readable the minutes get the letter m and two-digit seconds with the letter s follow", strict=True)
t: 3h07
